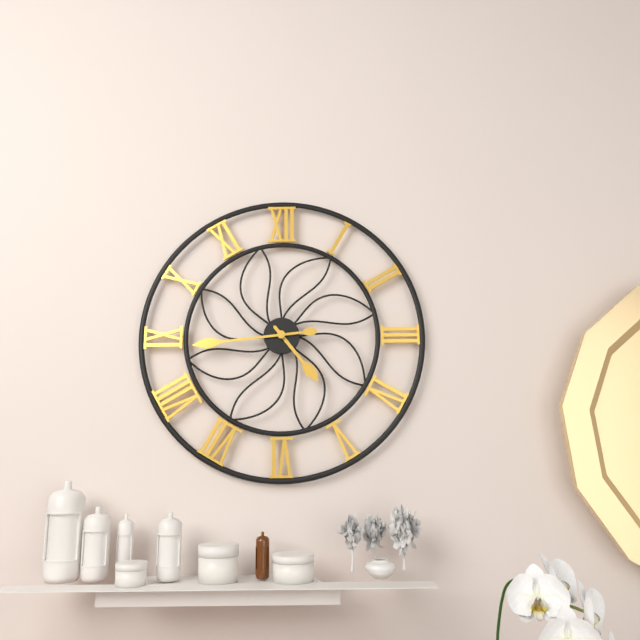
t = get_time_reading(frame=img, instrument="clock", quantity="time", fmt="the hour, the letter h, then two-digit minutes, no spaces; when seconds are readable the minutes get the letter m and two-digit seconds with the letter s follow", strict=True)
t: 4h44
